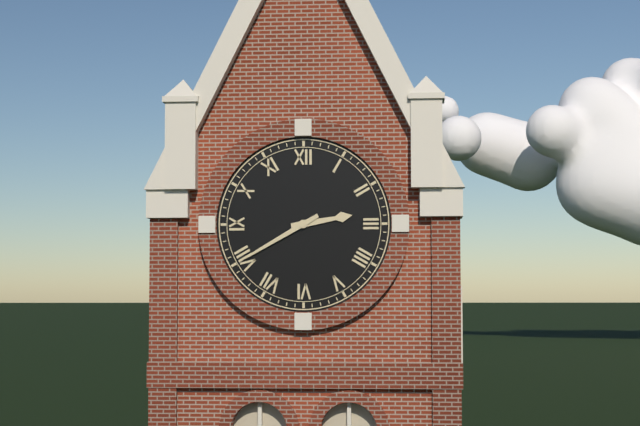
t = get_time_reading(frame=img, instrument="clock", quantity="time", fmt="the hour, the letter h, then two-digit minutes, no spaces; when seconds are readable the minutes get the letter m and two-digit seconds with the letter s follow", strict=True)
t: 2h40
